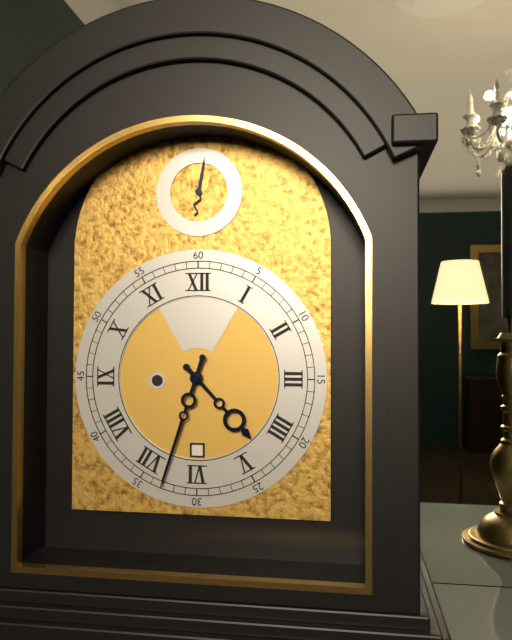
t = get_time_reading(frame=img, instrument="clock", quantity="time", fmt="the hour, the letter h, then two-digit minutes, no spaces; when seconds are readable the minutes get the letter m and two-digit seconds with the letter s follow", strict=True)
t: 4h33
